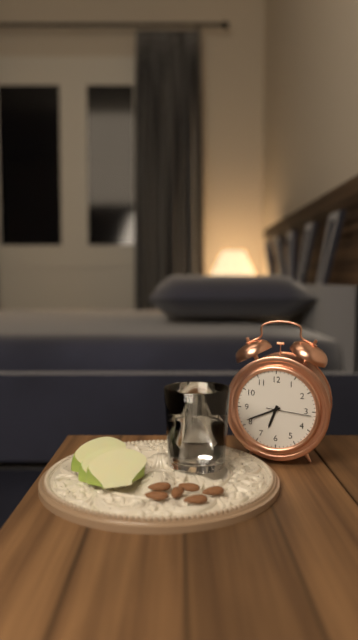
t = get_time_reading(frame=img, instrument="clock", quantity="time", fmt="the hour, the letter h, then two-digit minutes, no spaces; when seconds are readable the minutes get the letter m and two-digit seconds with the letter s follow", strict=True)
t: 6h41
